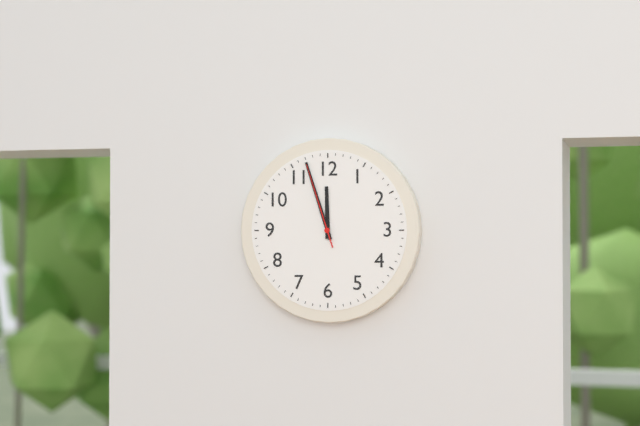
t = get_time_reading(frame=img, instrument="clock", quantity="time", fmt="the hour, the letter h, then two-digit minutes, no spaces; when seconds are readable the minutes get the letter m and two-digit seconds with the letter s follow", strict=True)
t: 11h57m57s
